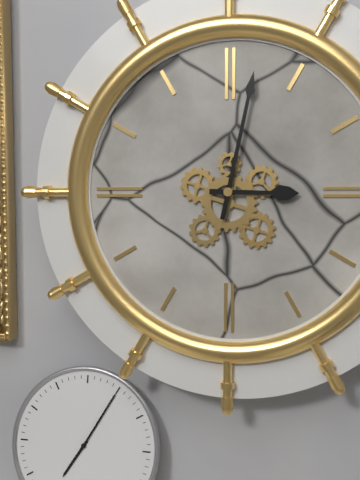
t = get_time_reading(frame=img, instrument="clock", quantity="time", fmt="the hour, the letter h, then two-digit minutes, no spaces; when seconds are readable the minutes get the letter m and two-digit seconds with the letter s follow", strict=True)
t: 3h02
